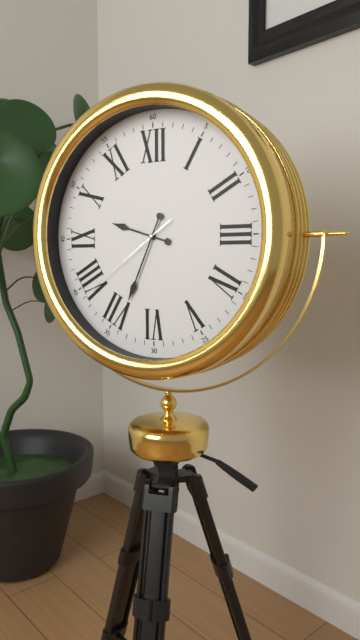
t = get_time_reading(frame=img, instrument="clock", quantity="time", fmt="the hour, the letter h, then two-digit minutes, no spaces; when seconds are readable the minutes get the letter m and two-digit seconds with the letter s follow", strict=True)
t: 9h34m39s
